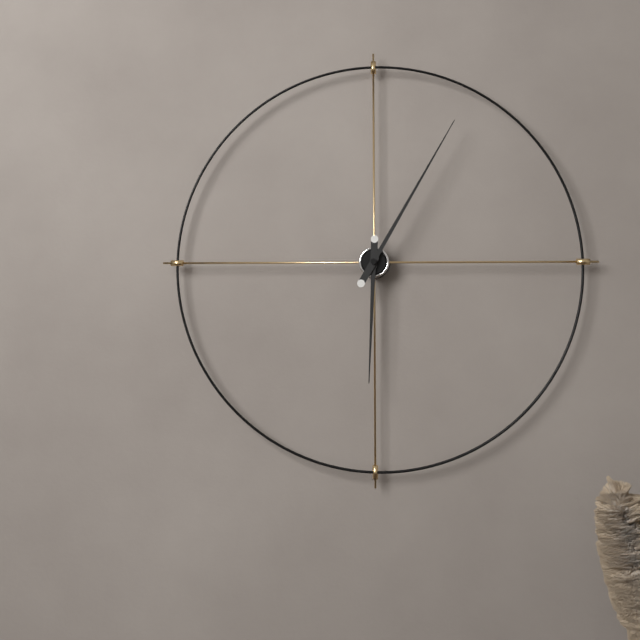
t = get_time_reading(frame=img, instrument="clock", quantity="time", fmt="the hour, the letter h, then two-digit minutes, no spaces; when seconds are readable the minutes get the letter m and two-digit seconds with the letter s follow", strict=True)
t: 6h05
